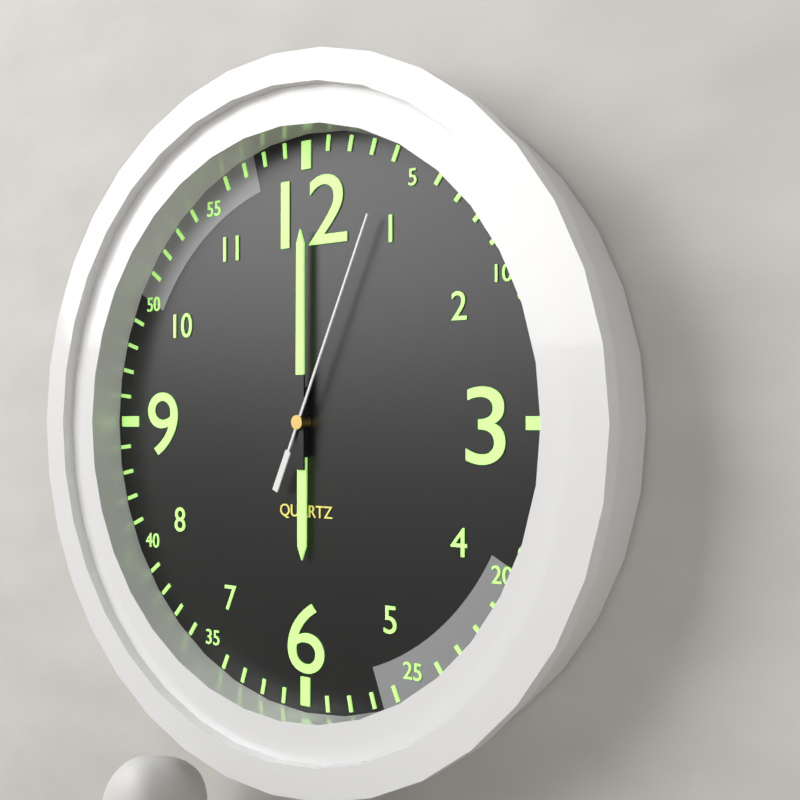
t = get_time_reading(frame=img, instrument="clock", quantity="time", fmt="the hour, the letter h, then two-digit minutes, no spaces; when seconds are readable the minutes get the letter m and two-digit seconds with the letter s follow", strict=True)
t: 6h00m04s
